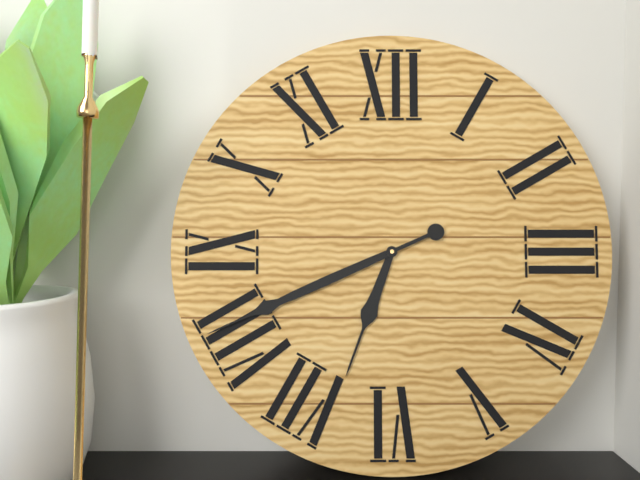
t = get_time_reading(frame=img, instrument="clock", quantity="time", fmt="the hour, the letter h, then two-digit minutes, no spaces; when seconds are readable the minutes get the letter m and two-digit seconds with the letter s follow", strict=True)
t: 6h41
